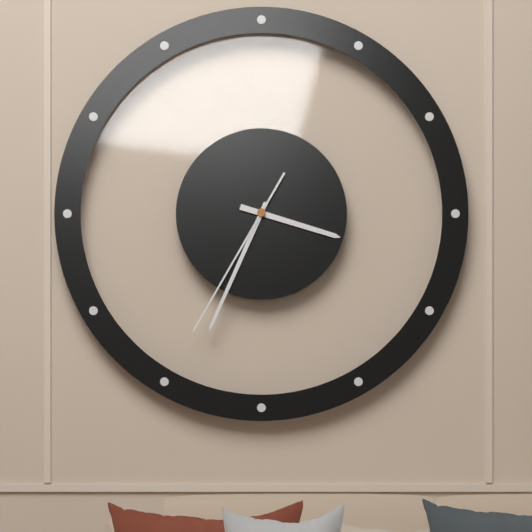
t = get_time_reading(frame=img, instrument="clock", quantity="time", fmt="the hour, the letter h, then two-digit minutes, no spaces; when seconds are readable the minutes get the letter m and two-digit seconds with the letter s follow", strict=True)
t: 3h34m35s
